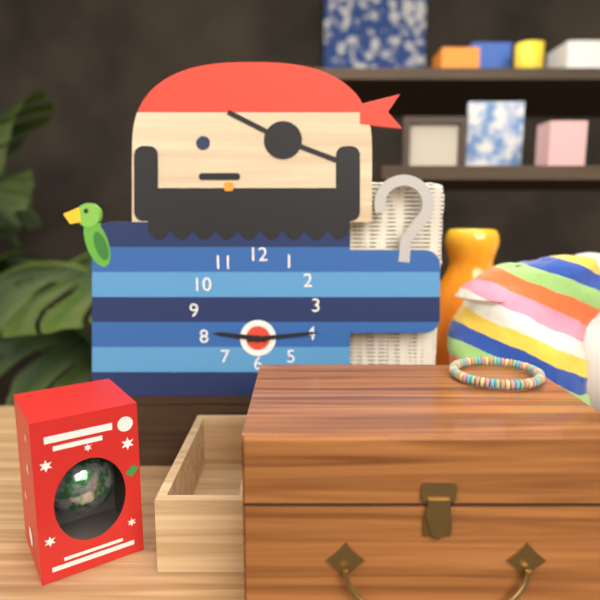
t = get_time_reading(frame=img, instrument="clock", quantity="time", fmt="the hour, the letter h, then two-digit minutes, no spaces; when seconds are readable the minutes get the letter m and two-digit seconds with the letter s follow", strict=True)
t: 9h14
